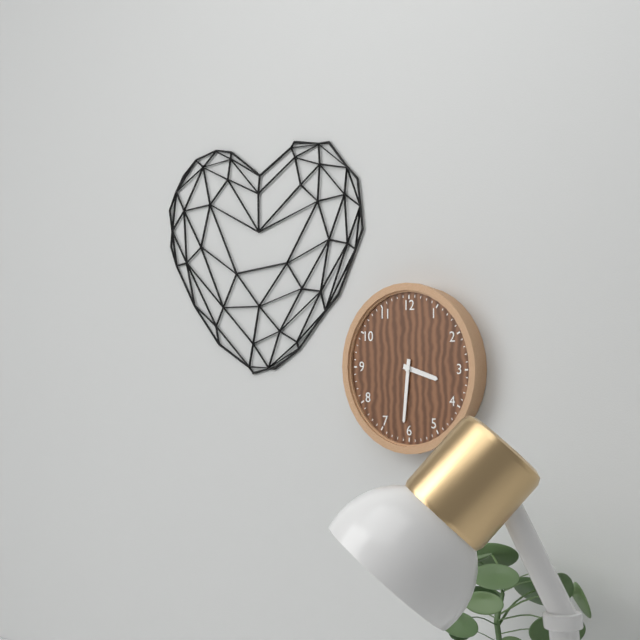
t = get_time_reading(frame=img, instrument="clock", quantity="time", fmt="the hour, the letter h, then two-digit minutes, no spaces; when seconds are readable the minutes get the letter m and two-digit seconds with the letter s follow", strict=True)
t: 3h31
